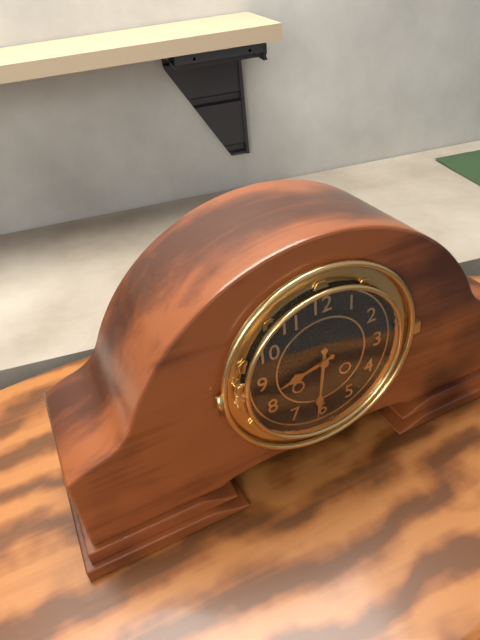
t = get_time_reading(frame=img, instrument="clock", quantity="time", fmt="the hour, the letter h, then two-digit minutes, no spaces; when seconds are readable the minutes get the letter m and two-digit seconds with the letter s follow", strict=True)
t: 8h31
